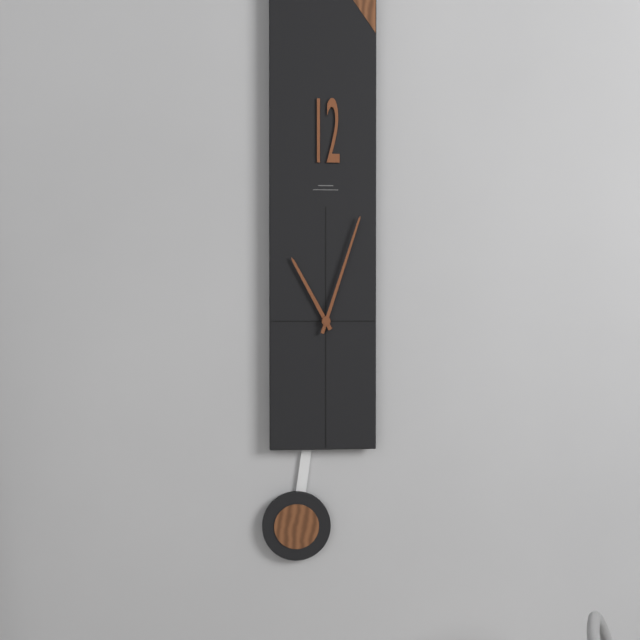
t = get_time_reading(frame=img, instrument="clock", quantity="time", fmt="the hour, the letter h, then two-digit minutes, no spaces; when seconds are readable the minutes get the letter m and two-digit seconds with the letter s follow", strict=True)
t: 11h03
